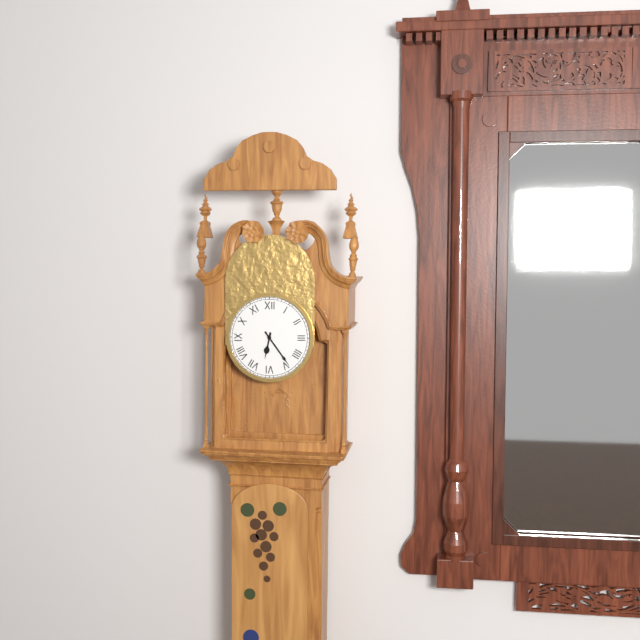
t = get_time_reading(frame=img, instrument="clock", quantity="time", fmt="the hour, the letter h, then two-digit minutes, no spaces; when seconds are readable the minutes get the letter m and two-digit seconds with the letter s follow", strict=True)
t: 6h24
